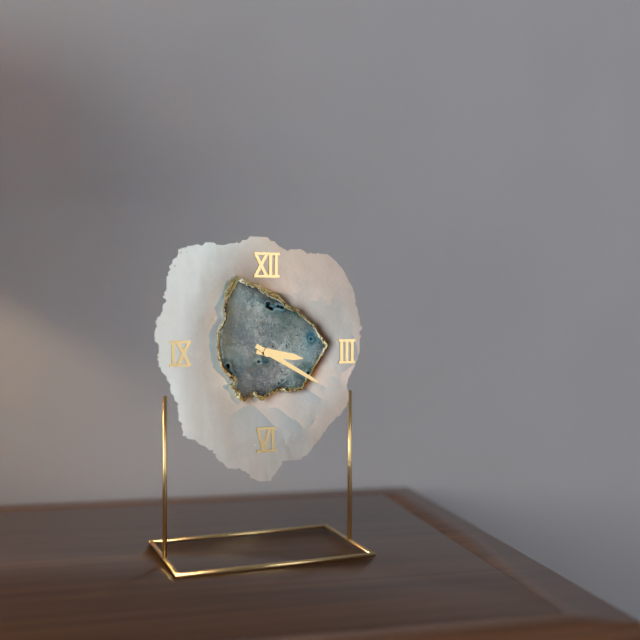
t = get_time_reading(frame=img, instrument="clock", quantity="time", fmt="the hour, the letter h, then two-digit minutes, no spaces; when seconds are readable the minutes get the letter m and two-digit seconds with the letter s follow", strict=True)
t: 3h20
